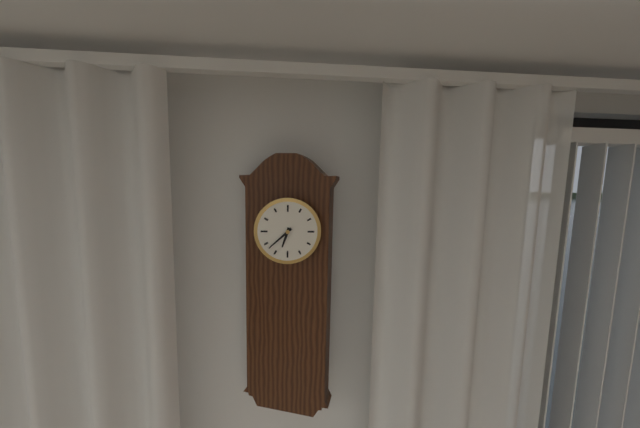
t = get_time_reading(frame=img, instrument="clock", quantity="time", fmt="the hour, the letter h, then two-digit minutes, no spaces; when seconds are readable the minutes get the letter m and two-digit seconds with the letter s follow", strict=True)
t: 6h38
